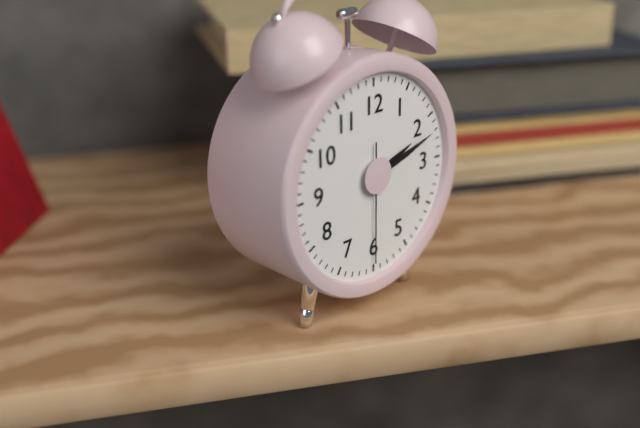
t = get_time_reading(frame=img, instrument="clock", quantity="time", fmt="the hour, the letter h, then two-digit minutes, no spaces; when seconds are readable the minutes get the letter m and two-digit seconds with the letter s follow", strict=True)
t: 2h12m30s
